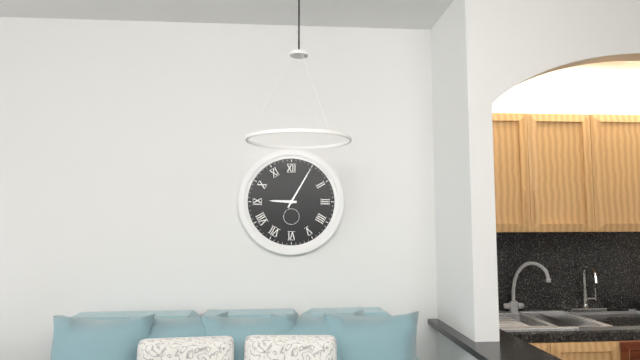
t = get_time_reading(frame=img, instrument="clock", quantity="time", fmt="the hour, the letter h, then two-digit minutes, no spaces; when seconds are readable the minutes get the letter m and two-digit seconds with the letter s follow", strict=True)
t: 9h05
